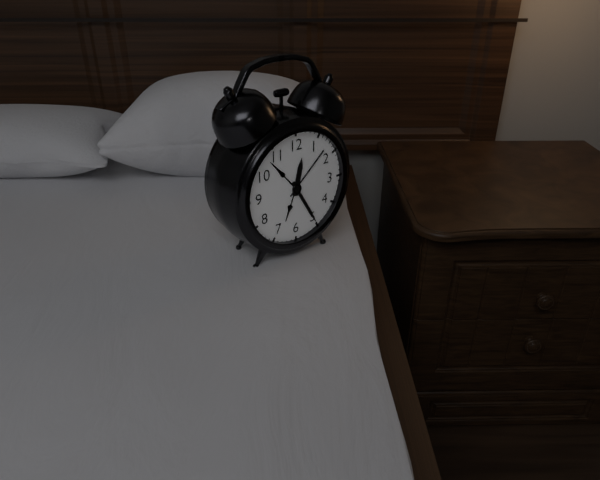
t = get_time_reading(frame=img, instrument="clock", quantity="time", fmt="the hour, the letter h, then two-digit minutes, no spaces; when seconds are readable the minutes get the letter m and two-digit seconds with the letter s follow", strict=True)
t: 12h25
